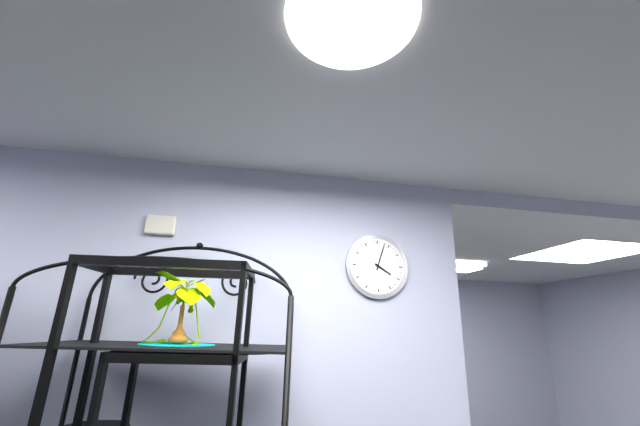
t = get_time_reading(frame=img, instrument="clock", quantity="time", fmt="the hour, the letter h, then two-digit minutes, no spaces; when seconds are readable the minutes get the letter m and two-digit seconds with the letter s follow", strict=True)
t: 4h03
